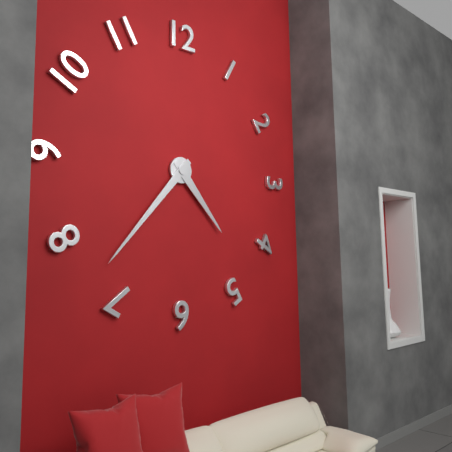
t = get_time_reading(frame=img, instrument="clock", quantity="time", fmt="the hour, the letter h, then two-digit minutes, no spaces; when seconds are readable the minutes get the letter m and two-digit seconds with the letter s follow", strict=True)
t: 4h37
